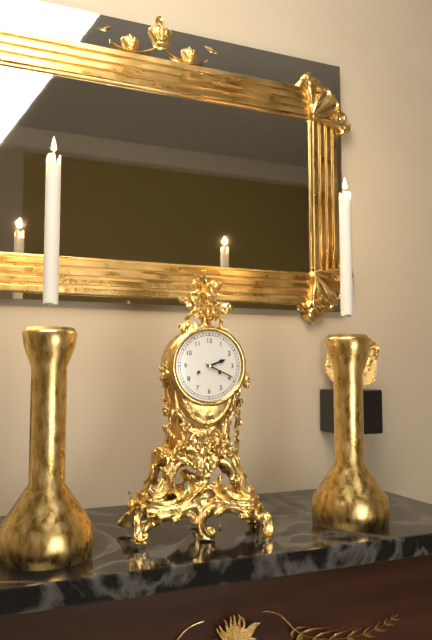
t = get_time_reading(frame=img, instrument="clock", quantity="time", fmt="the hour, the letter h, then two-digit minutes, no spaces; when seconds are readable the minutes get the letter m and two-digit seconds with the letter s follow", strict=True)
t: 2h19
